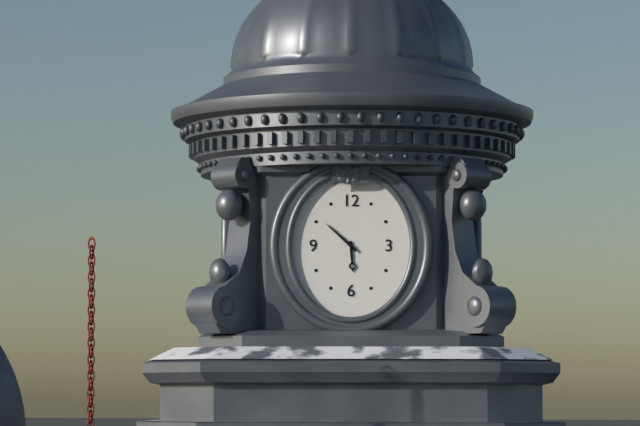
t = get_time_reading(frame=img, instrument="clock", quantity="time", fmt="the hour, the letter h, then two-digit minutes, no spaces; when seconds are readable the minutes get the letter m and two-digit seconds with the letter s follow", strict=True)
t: 5h52
